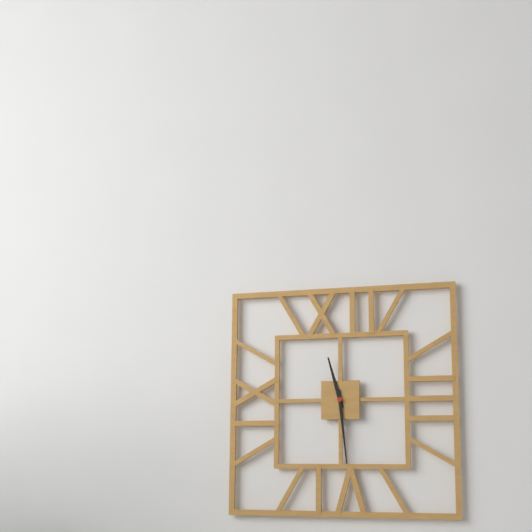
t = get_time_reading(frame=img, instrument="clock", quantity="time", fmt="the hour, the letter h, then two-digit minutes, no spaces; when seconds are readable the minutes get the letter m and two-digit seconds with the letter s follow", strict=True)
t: 11h29
